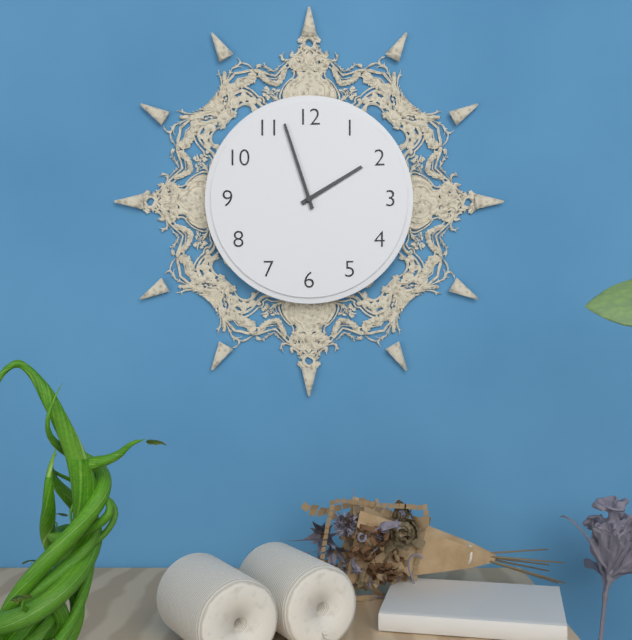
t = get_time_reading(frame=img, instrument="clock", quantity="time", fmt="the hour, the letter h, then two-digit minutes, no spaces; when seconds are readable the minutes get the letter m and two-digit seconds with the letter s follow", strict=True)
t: 1h57
